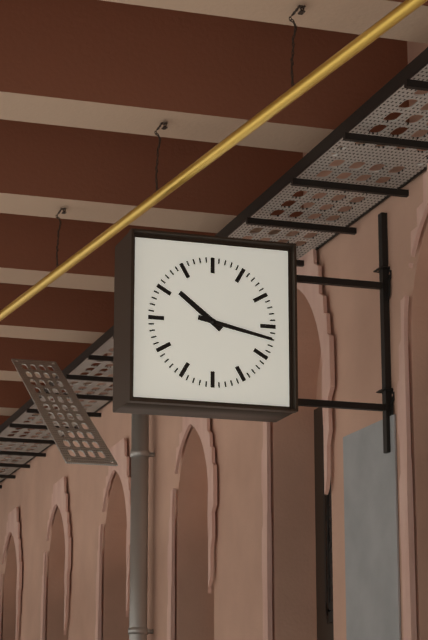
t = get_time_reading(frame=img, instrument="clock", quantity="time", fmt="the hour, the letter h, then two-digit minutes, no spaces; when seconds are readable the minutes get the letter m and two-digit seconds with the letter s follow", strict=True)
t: 10h17
